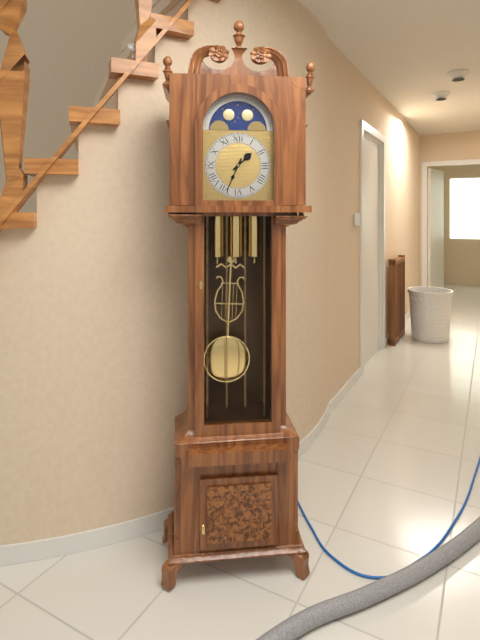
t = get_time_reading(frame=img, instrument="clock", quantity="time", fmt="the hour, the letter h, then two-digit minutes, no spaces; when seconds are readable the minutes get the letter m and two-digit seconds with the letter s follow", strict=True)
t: 1h34
